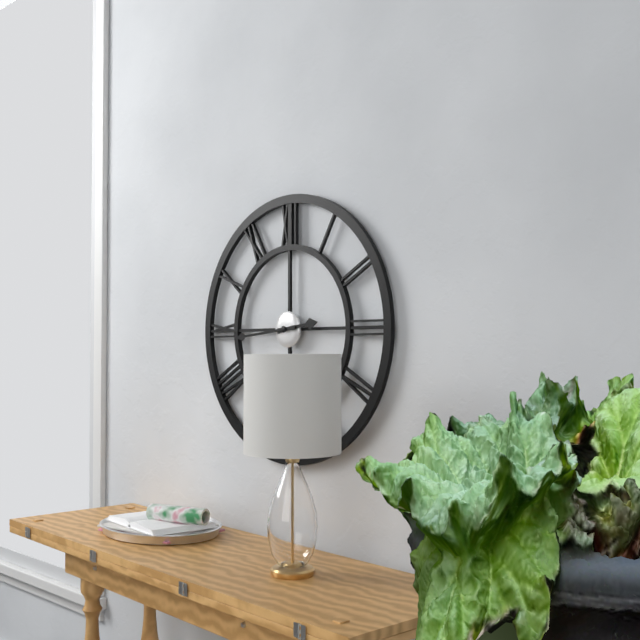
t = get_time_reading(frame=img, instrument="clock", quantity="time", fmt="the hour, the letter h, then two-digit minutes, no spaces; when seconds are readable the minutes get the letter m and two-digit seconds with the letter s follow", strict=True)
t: 2h44
